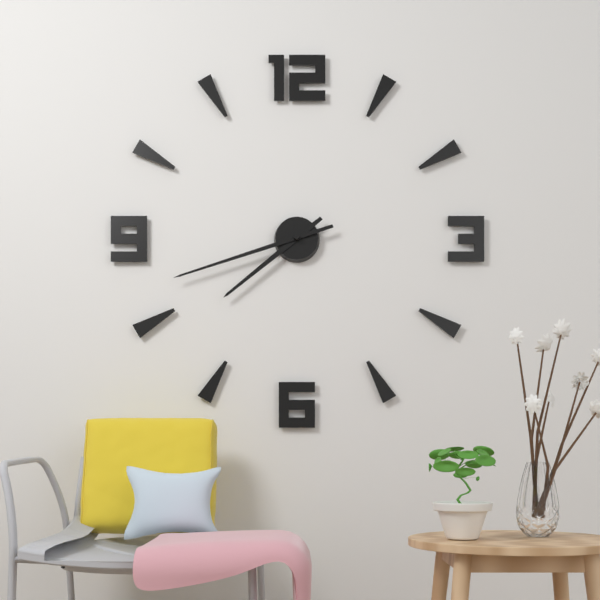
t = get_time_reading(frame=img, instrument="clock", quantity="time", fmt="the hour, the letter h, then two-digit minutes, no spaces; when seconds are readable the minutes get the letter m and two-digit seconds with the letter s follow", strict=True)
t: 7h42
